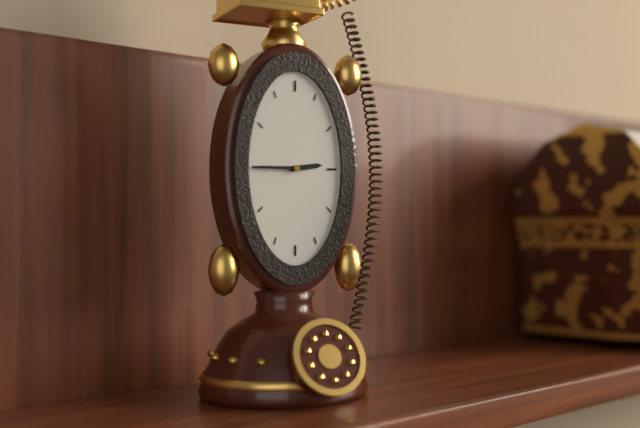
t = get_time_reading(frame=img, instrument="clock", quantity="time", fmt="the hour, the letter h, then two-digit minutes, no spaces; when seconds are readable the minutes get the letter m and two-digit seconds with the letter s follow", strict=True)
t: 2h45
